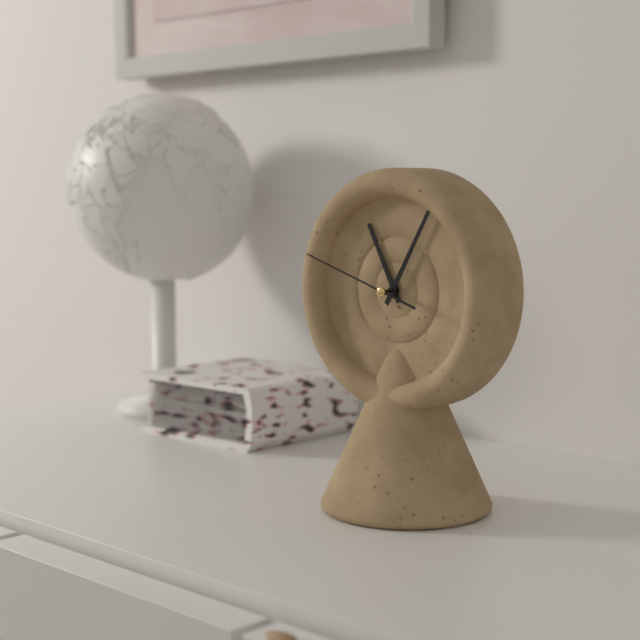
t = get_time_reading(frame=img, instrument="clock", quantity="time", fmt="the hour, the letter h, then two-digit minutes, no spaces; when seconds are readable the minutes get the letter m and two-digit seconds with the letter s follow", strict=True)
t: 11h05m48s
